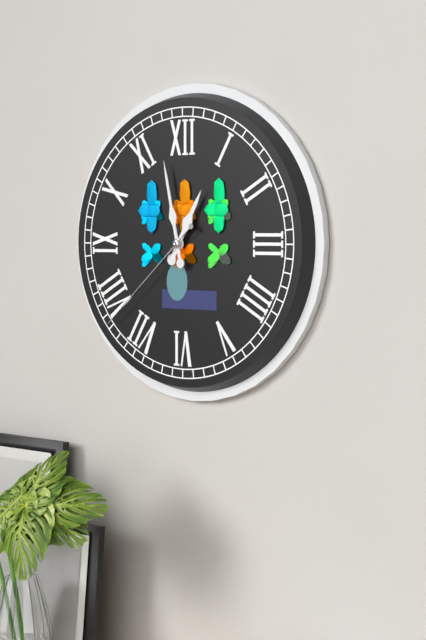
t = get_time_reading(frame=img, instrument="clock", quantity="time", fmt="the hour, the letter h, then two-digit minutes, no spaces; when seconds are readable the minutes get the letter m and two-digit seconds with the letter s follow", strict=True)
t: 12h58m38s
